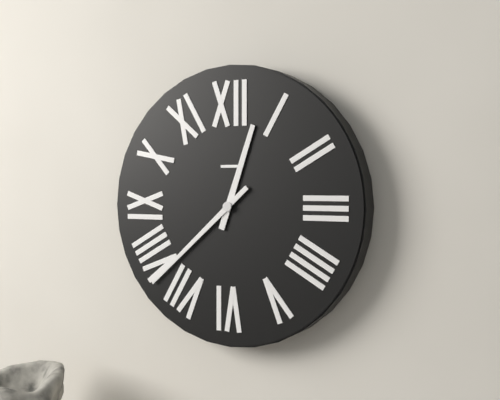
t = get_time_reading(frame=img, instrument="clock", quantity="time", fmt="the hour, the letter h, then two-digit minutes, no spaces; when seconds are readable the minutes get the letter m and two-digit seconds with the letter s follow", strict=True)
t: 12h38
